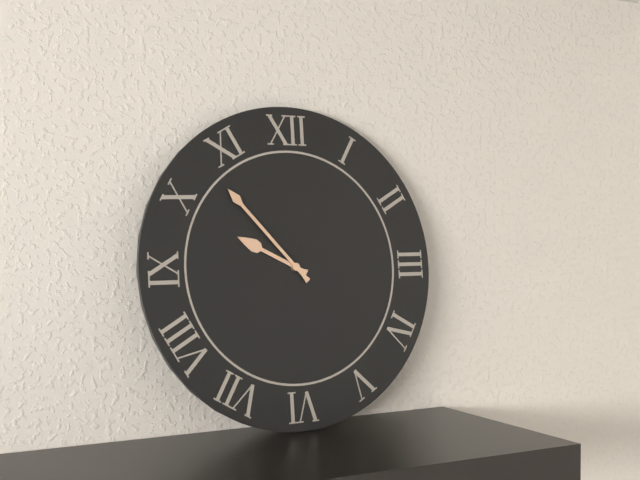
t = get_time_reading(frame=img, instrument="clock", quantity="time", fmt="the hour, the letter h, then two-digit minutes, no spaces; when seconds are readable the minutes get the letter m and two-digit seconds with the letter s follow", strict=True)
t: 9h53
